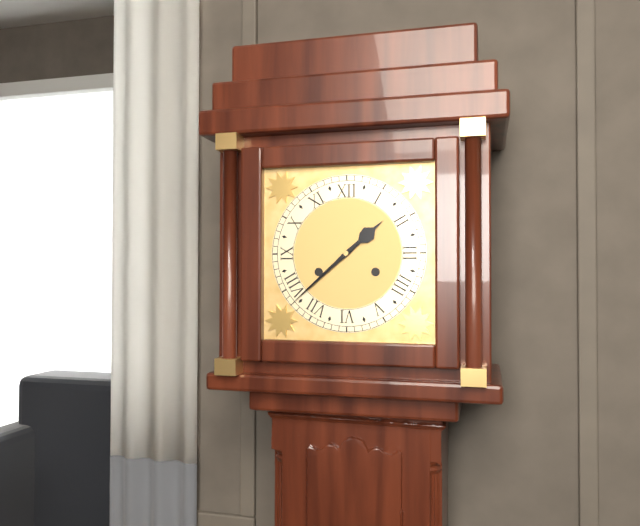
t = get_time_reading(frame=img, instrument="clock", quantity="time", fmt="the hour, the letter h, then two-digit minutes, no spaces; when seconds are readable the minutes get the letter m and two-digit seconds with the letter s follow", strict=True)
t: 1h38
